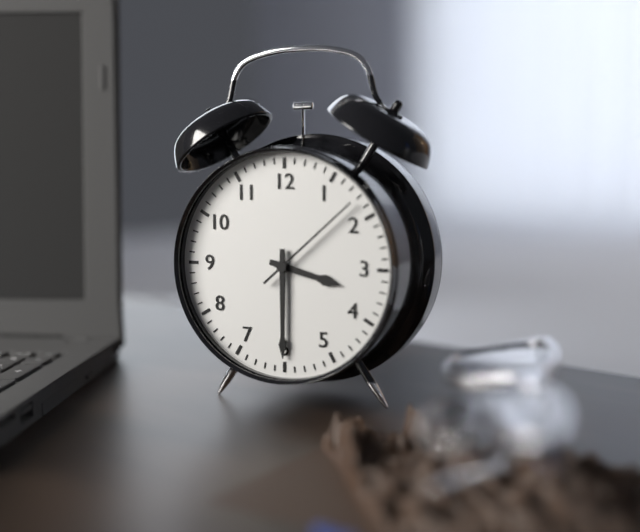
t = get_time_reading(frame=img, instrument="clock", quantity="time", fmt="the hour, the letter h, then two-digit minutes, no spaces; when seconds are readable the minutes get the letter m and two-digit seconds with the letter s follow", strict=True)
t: 3h30m08s
